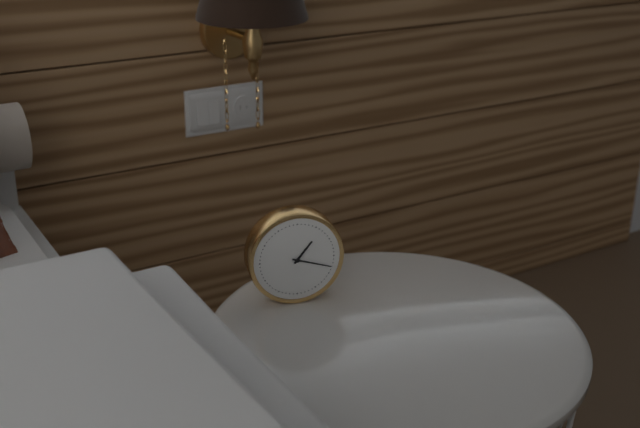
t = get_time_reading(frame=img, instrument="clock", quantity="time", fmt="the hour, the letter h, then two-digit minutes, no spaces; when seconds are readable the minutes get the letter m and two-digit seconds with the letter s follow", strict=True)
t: 1h18
